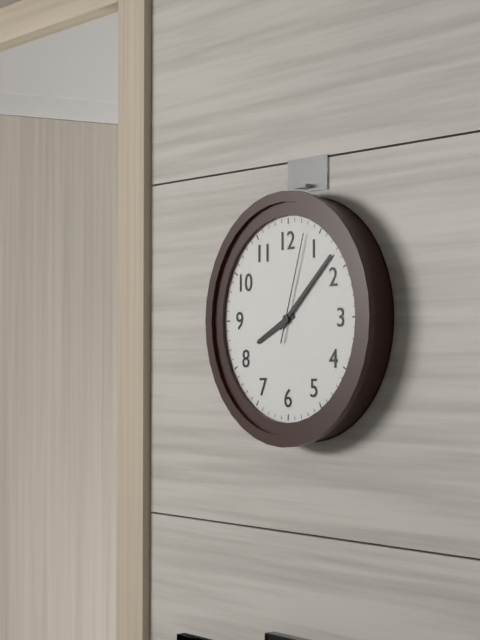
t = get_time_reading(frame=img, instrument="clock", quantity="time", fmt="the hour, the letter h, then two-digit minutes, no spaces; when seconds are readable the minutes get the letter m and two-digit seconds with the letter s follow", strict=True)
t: 8h08m03s
